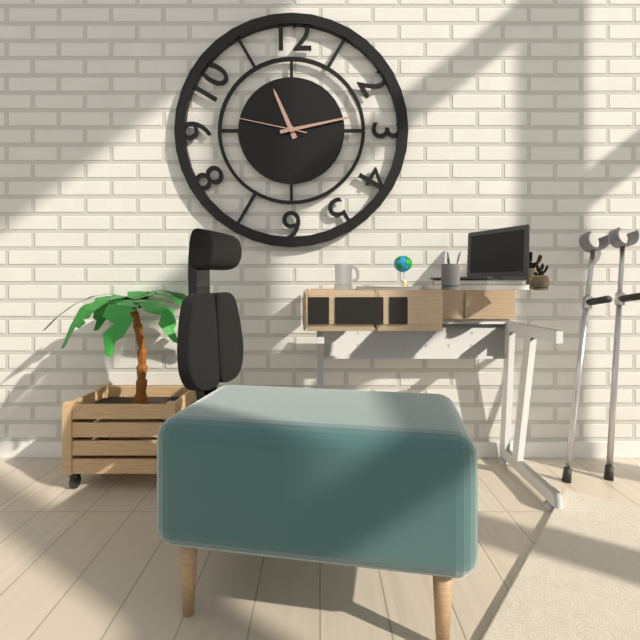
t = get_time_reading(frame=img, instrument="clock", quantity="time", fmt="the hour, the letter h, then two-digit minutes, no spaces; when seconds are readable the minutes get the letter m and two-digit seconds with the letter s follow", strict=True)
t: 11h13m47s
